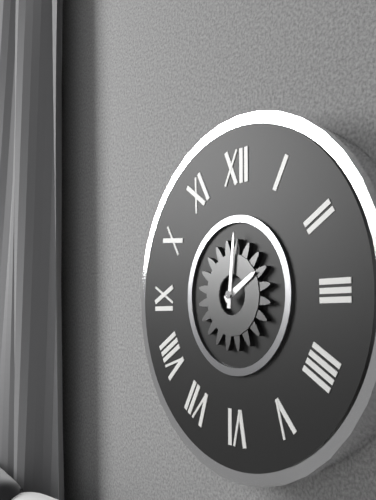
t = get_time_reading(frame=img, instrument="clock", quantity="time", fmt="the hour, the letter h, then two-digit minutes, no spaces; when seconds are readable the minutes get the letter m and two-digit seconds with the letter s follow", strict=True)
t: 2h01
